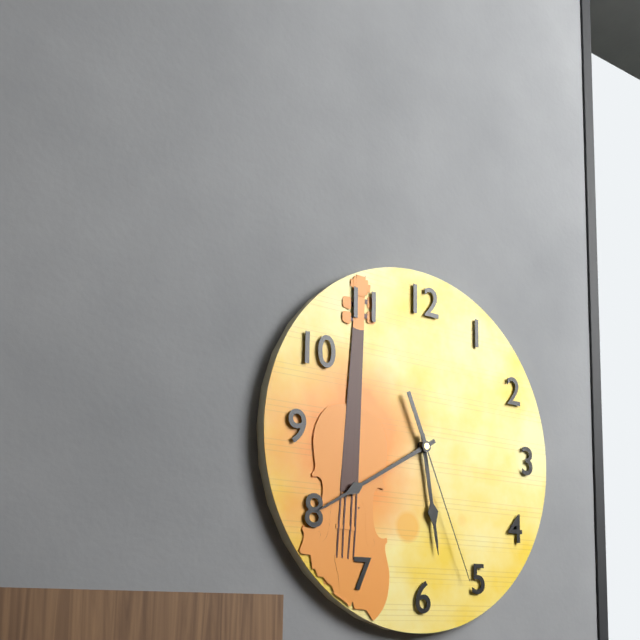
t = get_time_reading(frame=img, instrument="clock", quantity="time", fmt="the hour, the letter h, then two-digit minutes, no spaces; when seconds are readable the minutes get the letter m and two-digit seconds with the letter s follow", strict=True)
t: 5h40m26s
